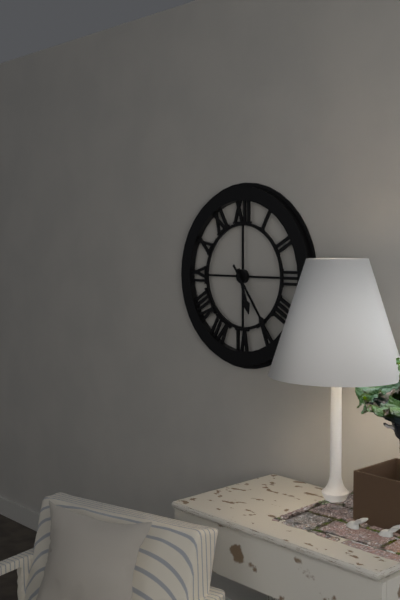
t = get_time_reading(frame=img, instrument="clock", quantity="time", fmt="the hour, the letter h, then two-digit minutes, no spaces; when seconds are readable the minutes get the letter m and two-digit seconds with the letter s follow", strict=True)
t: 5h24
